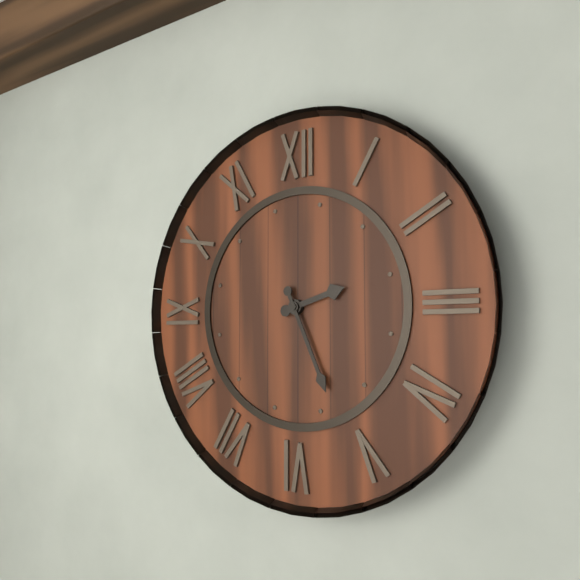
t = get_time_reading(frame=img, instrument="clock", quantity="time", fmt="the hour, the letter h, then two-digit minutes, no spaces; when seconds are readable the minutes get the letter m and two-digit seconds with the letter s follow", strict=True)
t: 2h26
